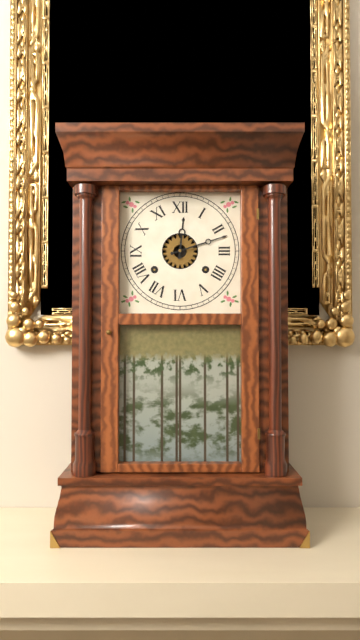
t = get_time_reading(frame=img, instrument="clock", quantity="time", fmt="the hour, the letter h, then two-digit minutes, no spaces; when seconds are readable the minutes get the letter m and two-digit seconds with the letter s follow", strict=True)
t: 12h12
